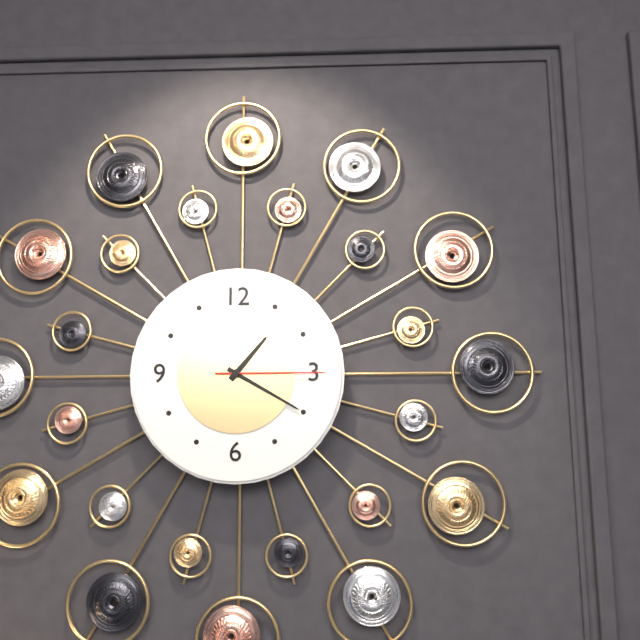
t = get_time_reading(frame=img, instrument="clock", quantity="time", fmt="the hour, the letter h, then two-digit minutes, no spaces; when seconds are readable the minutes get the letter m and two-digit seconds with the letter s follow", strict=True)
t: 1h20m15s
